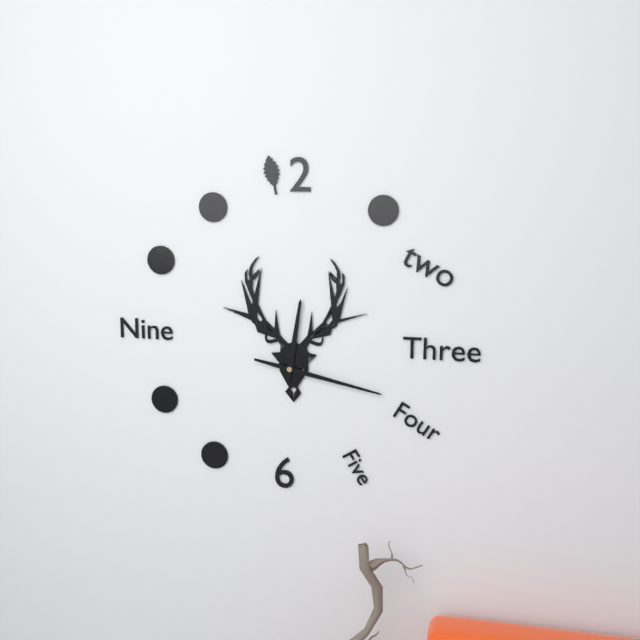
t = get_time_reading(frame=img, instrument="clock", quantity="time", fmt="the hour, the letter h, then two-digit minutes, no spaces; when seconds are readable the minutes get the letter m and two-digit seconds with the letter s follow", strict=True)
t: 12h17
